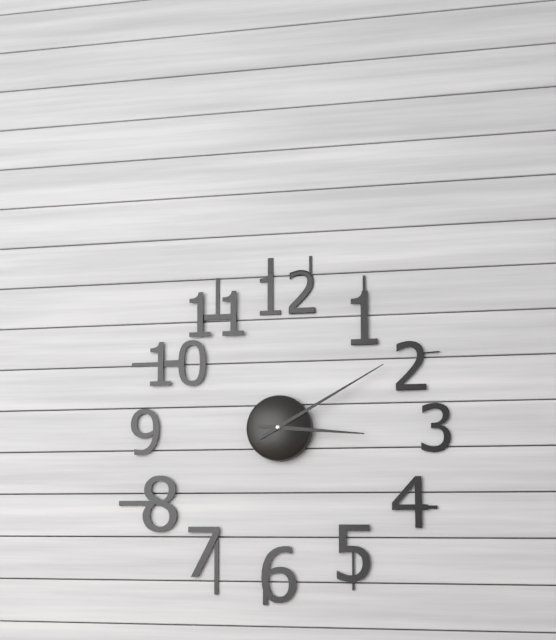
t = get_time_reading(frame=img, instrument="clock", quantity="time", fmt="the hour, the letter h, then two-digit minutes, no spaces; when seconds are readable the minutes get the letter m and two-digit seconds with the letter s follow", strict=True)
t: 3h10
